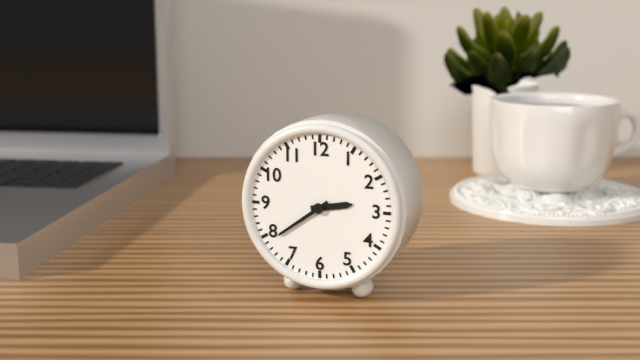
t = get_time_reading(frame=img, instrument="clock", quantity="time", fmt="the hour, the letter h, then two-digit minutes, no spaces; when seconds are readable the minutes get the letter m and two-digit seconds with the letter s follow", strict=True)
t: 2h39
